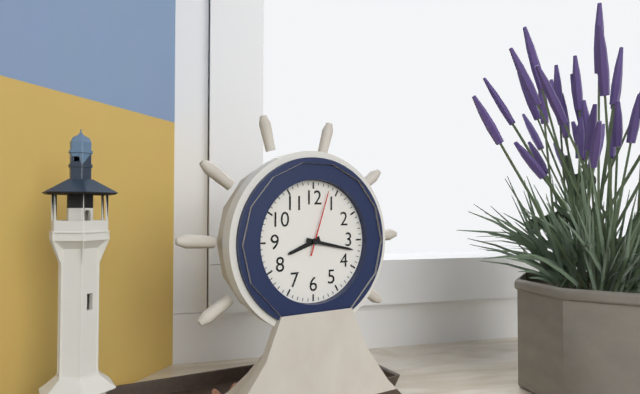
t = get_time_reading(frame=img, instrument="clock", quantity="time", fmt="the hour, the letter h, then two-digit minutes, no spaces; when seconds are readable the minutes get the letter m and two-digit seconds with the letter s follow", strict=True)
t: 8h17m03s
